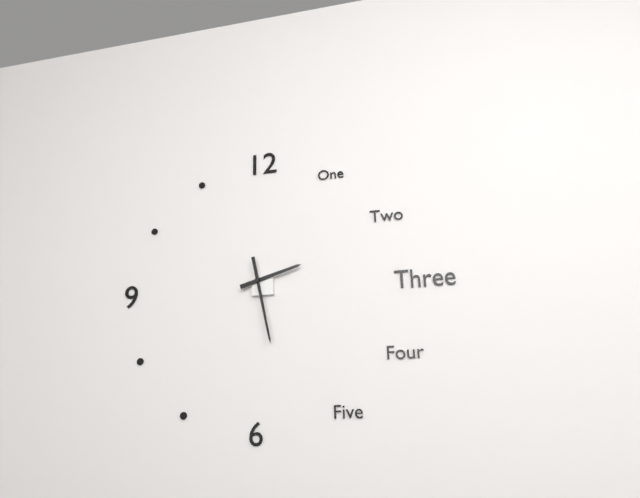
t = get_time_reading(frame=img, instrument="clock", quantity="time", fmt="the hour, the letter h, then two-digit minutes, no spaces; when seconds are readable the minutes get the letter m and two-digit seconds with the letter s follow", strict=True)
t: 2h28
